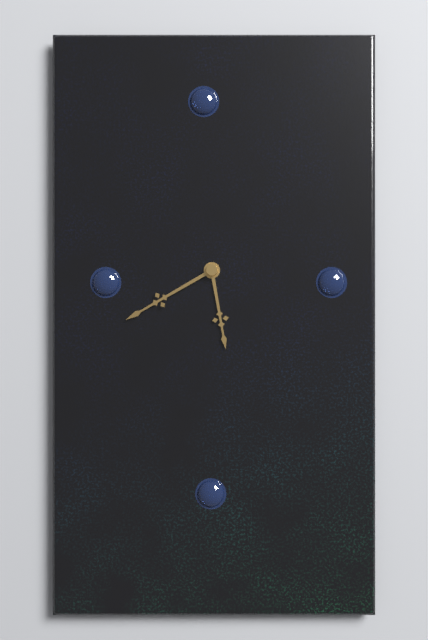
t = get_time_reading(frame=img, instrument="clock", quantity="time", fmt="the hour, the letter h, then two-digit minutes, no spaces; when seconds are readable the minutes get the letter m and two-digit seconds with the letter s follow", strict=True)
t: 5h40
